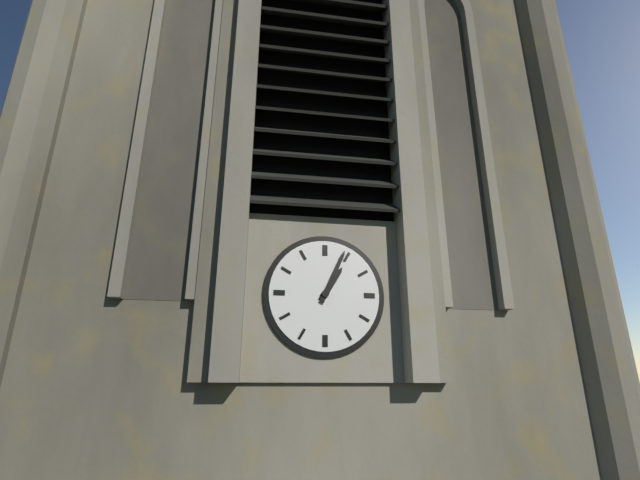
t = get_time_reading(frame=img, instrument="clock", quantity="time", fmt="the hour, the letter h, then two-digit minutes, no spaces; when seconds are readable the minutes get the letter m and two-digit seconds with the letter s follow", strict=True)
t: 1h04
